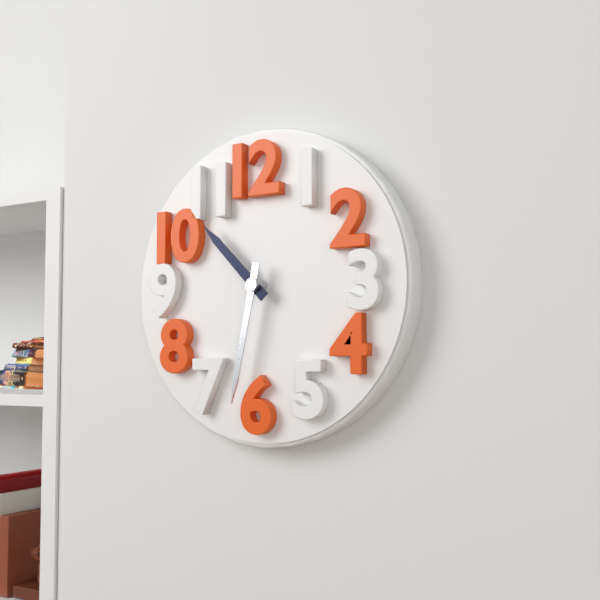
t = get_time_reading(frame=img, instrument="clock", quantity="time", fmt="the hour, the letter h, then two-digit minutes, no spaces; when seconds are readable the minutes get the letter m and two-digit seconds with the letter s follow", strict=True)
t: 10h32
